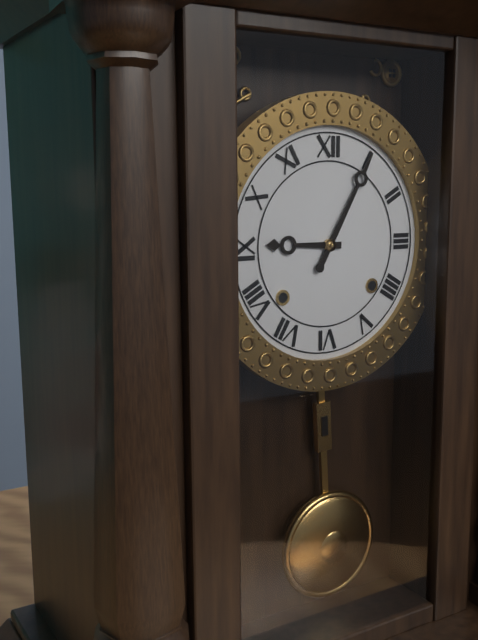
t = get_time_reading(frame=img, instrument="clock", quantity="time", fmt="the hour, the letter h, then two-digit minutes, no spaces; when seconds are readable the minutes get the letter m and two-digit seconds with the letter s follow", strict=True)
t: 9h05
